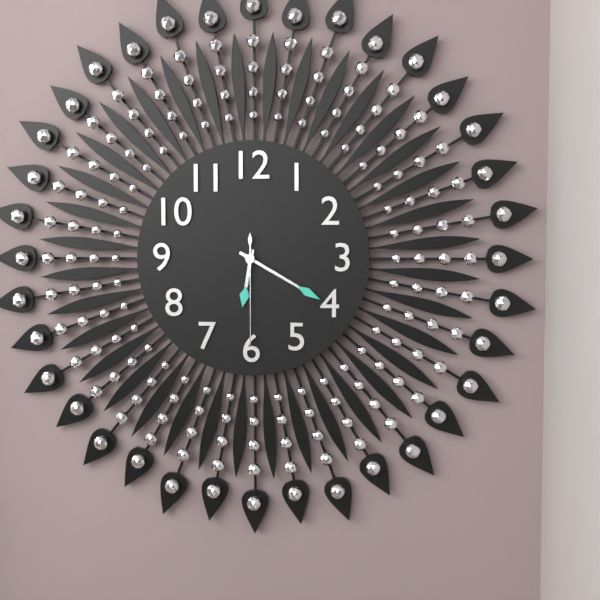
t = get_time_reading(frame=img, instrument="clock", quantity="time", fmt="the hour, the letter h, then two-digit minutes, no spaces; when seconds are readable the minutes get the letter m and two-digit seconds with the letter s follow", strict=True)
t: 6h20m30s
